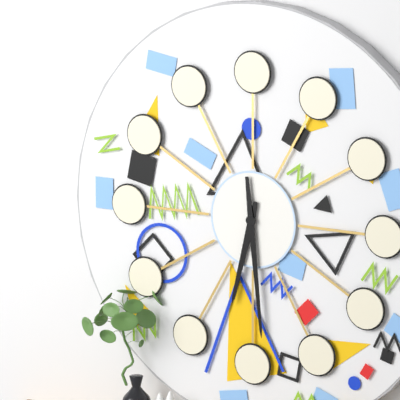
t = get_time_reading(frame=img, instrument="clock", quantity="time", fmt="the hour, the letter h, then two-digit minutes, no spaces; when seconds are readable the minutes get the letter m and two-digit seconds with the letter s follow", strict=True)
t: 6h29
